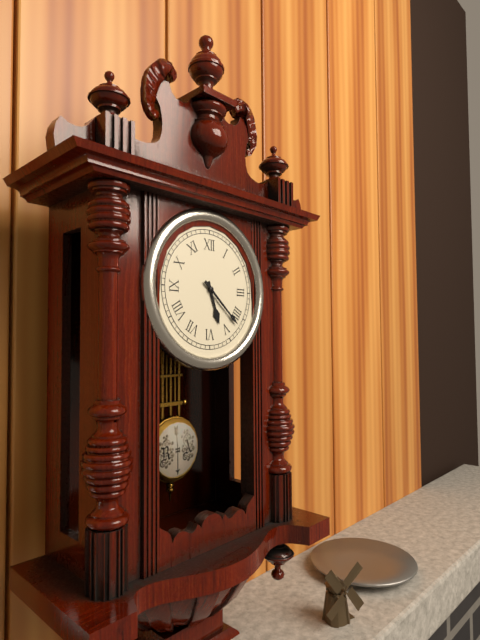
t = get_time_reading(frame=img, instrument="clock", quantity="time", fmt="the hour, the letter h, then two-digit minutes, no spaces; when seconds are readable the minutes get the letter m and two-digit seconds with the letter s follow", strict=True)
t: 5h22
